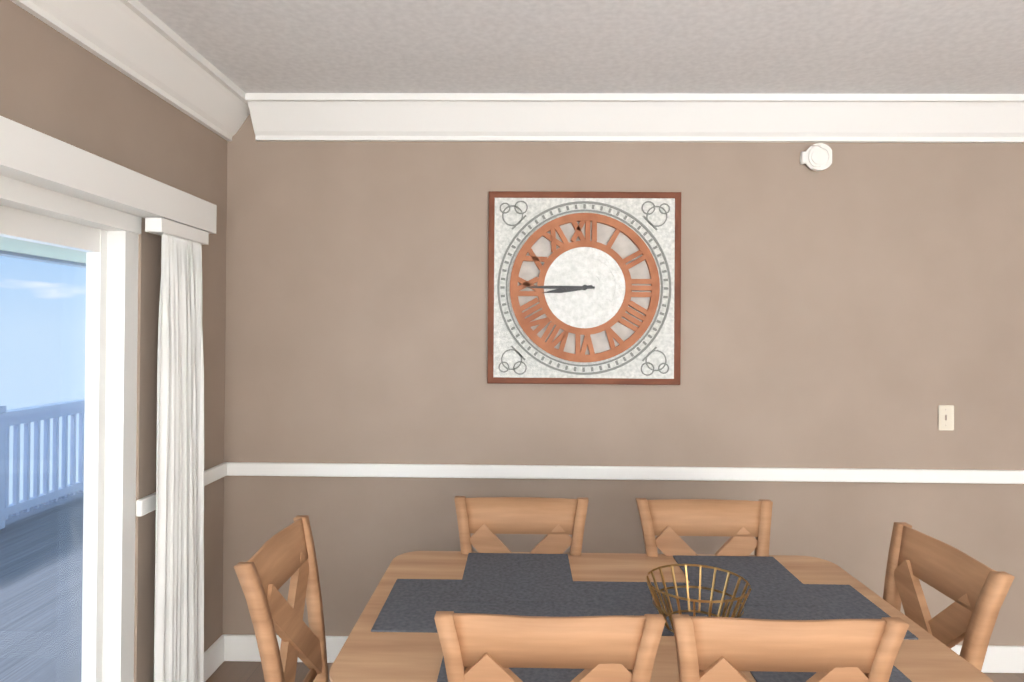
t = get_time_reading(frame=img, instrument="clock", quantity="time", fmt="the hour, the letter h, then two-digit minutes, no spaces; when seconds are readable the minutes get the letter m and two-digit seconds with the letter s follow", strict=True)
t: 8h45
